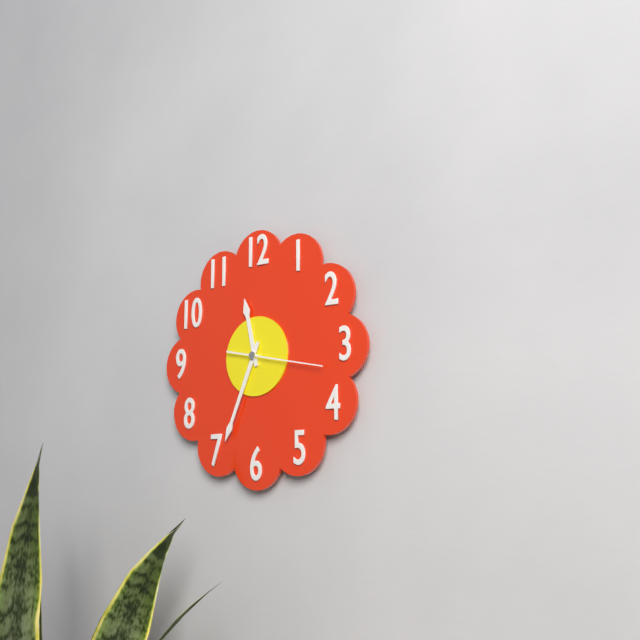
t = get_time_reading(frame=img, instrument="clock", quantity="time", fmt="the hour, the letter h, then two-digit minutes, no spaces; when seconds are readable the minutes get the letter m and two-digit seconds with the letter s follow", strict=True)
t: 11h34m17s
